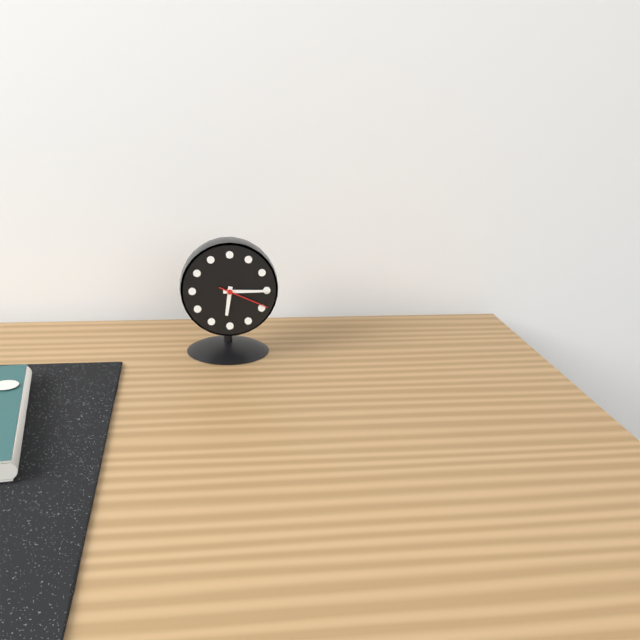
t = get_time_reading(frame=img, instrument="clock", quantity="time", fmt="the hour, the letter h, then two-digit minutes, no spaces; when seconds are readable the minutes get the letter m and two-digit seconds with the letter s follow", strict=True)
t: 6h15m19s
